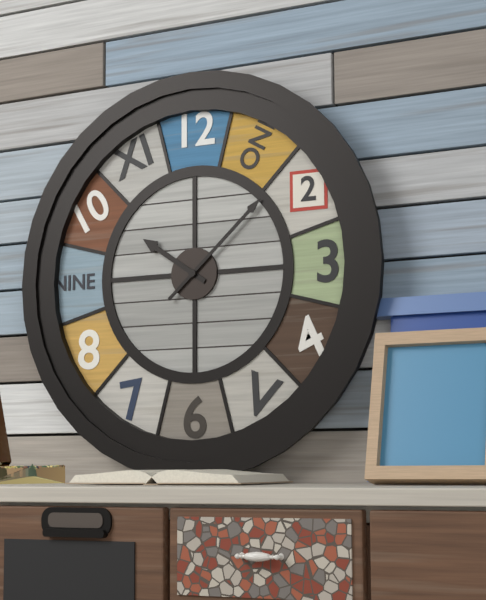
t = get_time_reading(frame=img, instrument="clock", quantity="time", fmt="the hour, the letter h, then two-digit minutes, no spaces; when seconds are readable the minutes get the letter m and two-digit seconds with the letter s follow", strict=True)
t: 10h08
